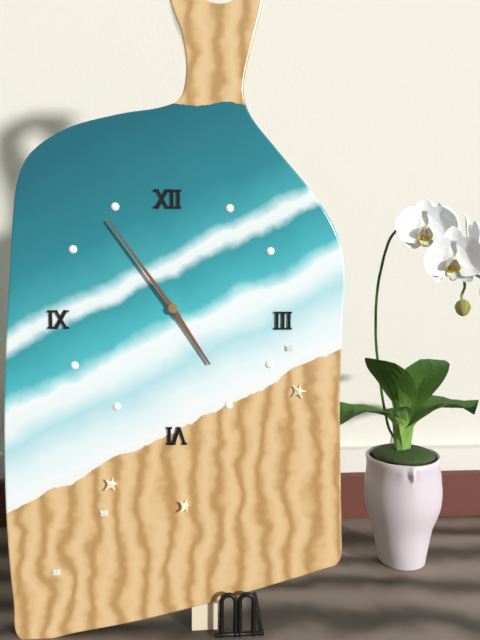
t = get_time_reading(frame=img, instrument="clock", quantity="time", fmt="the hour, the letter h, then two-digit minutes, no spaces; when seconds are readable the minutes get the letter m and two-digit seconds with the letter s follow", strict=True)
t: 4h54
